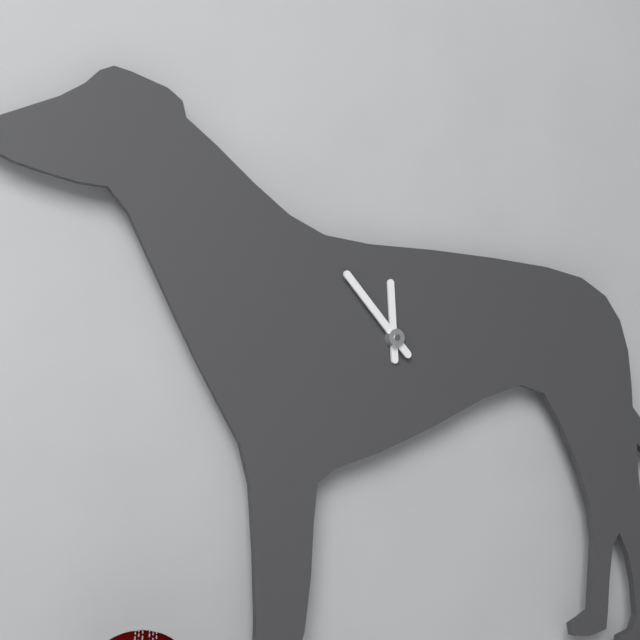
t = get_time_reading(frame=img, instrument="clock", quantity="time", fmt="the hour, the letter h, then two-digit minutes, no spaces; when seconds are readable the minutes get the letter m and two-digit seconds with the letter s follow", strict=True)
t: 11h53
